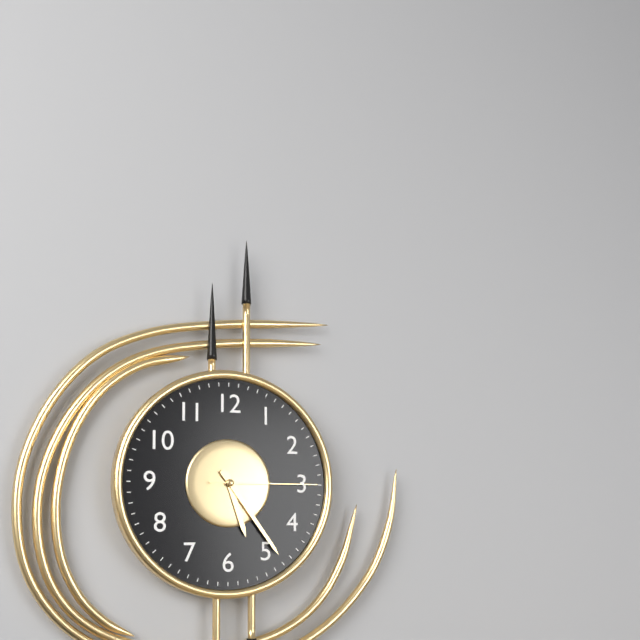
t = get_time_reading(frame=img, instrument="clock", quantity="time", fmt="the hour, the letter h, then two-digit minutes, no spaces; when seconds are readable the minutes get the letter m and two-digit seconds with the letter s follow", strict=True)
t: 5h24m15s
